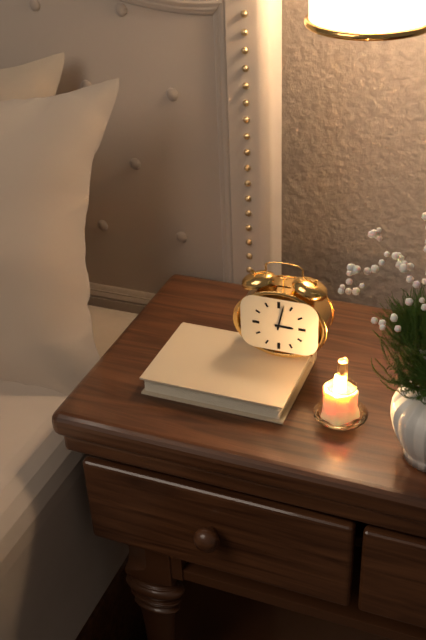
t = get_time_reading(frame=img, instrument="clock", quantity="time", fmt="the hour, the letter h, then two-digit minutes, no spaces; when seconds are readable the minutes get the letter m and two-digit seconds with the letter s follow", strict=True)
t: 3h02
